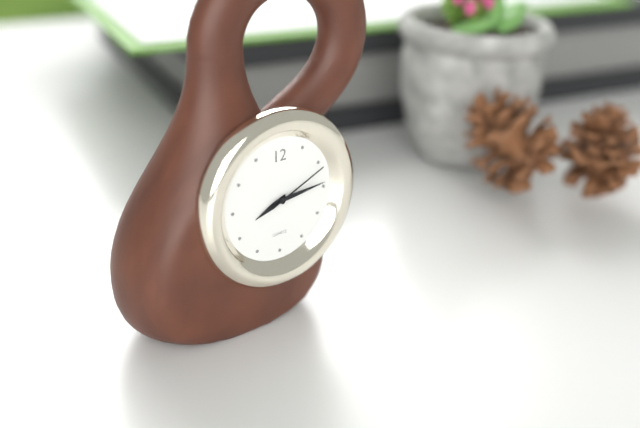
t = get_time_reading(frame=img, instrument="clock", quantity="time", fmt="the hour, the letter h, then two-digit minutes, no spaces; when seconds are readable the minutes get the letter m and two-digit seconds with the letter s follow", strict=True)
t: 8h14m11s
